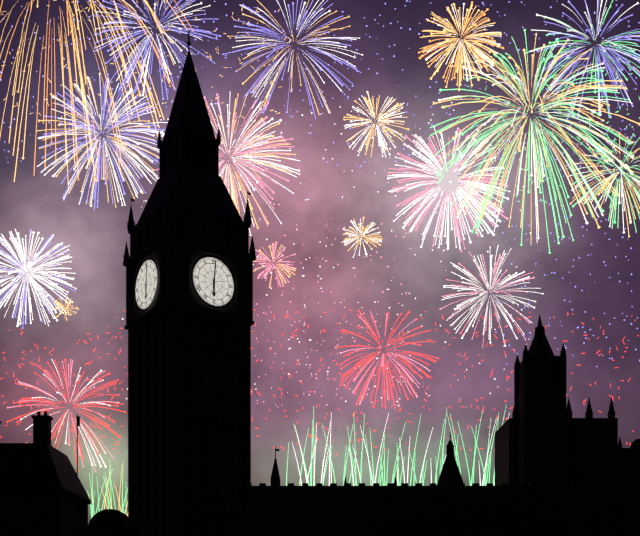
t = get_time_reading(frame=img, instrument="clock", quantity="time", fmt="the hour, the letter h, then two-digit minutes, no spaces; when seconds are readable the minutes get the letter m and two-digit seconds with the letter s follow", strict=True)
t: 6h01
